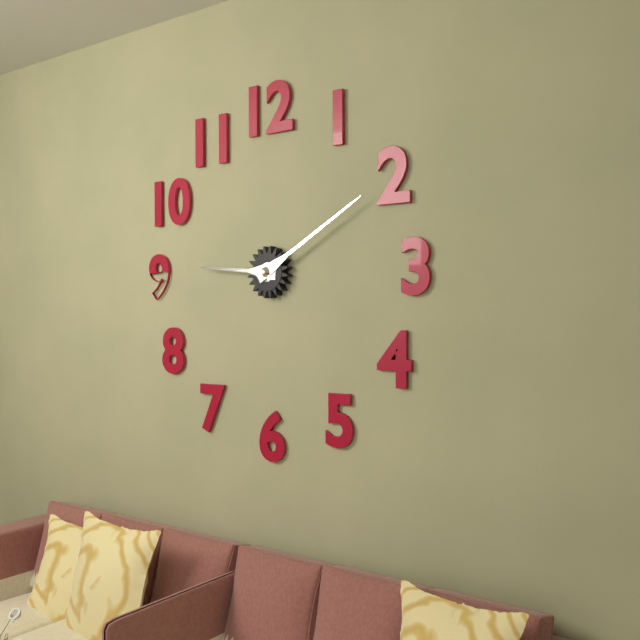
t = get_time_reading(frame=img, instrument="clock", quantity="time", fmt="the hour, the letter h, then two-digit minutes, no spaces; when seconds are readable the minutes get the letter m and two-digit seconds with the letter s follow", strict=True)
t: 9h10
